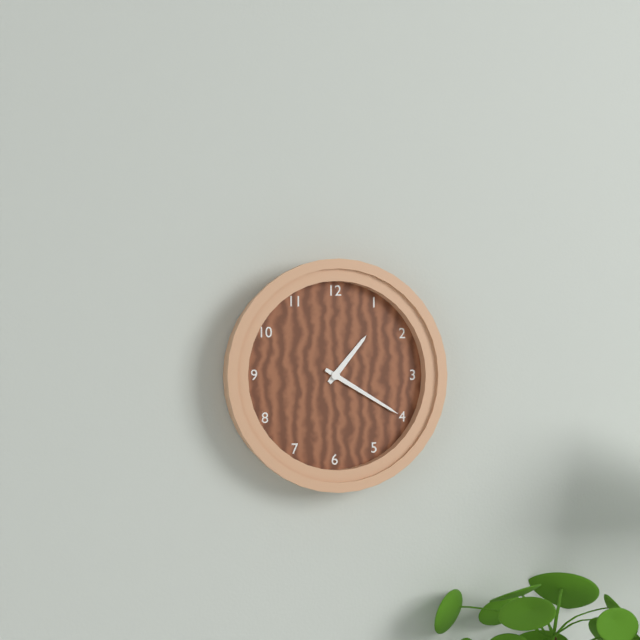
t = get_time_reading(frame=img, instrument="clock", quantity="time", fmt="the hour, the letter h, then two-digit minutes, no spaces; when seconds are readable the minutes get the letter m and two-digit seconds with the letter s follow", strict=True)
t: 1h20
